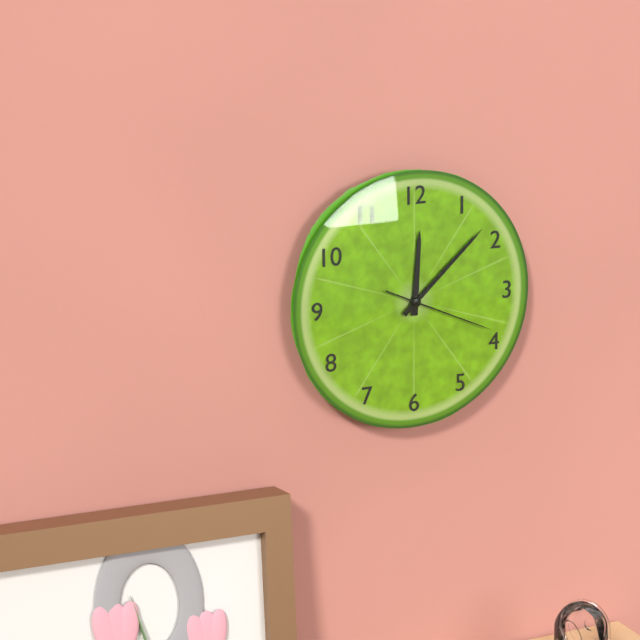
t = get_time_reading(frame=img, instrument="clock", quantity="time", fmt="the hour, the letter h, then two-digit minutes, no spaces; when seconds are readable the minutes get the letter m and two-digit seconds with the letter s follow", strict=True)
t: 12h08m19s
